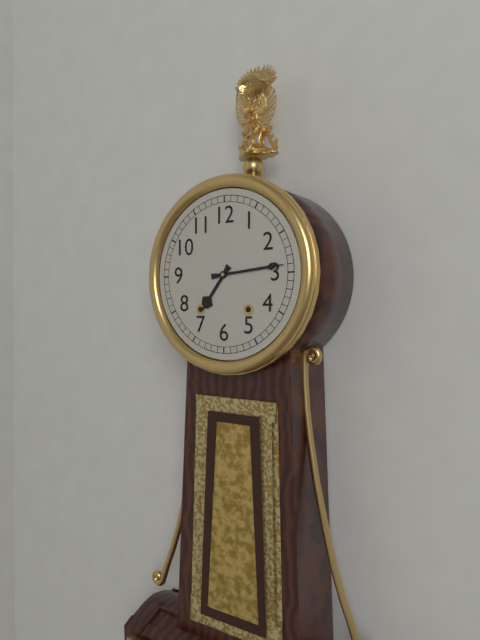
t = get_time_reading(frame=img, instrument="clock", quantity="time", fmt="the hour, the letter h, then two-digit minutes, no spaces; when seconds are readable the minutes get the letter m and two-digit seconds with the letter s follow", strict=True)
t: 7h14
